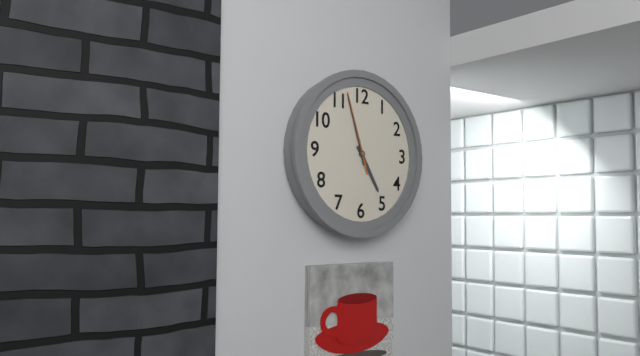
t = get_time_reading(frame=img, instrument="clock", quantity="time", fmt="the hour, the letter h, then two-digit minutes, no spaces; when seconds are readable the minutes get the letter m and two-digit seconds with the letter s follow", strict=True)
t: 4h57m57s
